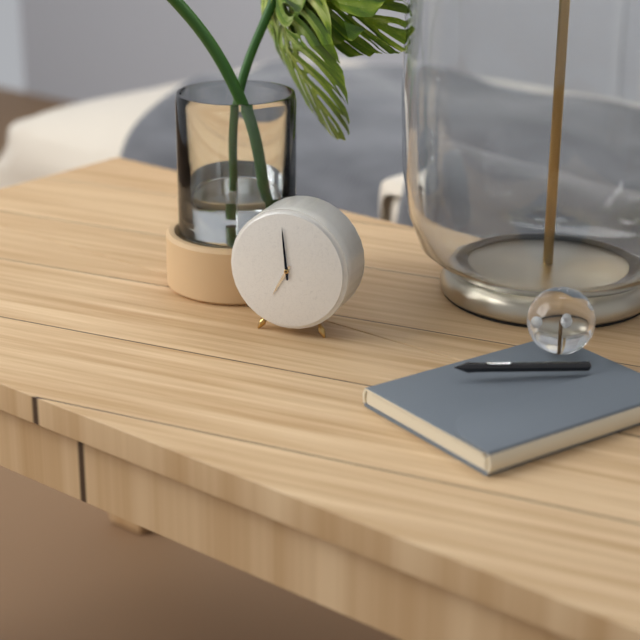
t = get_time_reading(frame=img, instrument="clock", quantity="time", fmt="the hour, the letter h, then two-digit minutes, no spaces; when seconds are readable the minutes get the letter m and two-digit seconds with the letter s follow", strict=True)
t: 6h59
